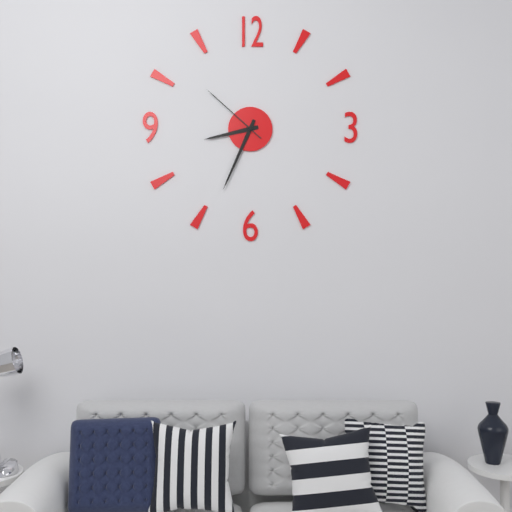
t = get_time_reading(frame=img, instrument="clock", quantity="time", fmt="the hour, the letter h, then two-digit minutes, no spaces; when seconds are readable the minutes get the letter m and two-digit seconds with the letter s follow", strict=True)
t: 8h34m52s
